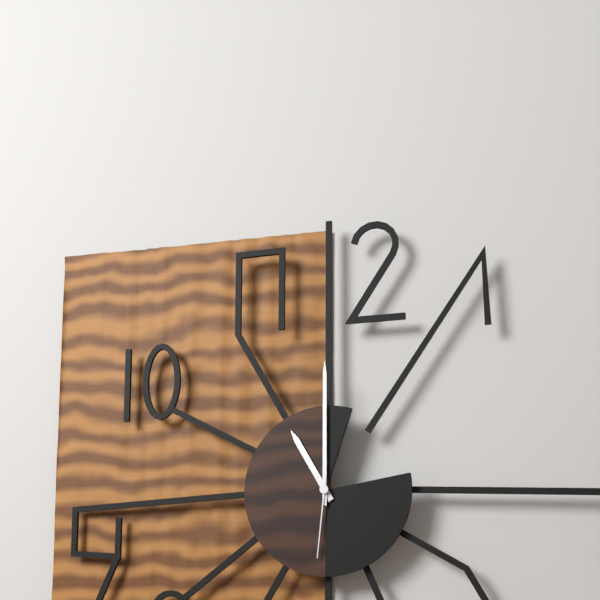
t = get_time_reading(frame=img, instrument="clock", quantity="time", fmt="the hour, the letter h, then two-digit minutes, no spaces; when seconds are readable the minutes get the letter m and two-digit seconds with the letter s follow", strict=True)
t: 11h00m31s
